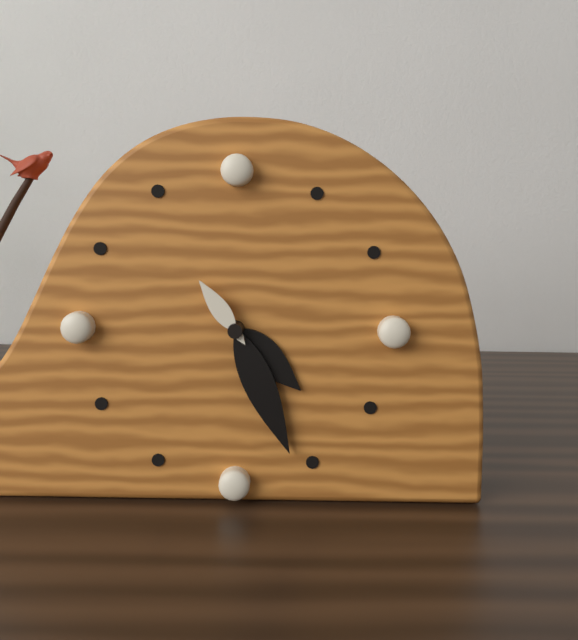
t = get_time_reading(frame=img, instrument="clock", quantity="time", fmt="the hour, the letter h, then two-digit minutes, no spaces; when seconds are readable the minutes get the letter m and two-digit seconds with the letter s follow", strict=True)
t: 4h26m54s
